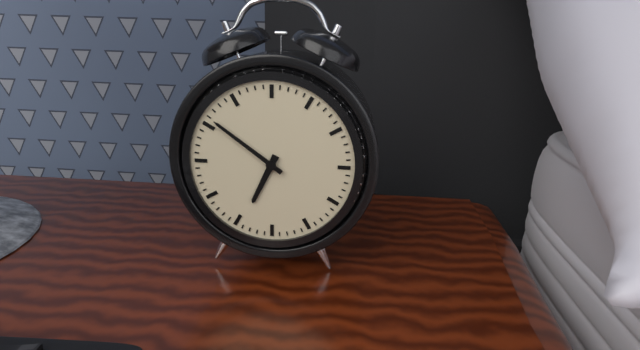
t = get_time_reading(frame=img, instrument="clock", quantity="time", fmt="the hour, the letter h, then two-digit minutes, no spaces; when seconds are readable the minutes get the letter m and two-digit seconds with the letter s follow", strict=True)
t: 6h51
